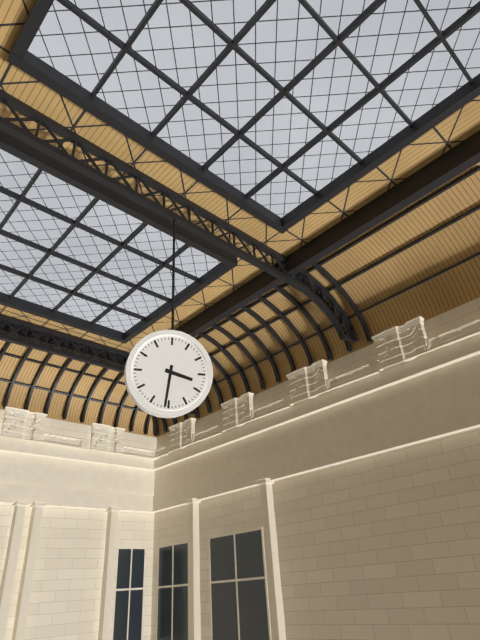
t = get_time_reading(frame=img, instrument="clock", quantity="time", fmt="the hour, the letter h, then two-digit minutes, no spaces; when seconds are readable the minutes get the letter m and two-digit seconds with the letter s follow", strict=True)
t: 3h31
